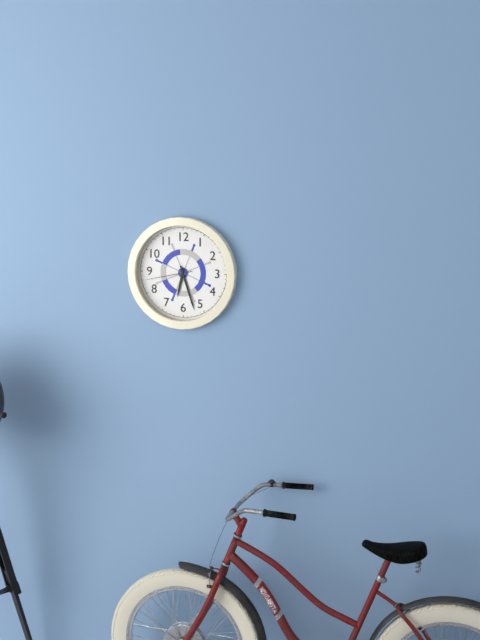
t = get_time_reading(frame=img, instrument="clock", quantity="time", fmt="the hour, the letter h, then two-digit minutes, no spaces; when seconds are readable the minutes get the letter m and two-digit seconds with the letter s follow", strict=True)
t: 6h27
